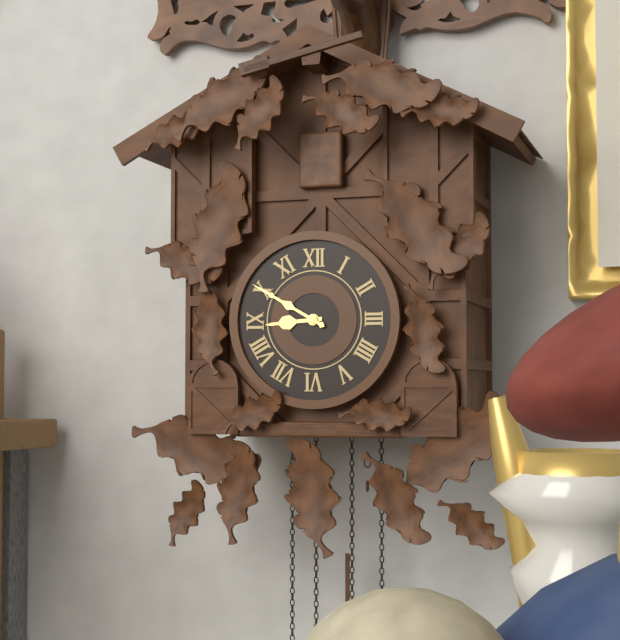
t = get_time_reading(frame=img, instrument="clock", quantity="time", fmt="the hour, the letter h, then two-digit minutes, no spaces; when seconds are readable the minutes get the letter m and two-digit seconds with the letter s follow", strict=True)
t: 8h50
